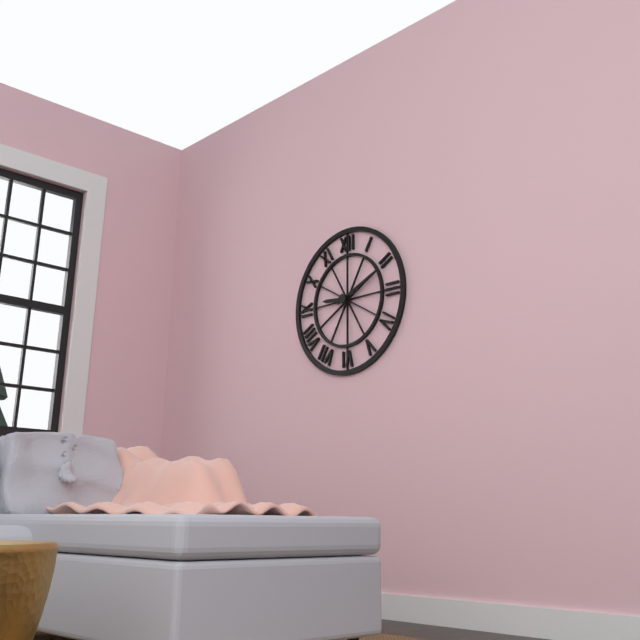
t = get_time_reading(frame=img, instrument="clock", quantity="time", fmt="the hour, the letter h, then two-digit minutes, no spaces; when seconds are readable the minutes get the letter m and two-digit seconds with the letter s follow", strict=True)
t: 9h11
